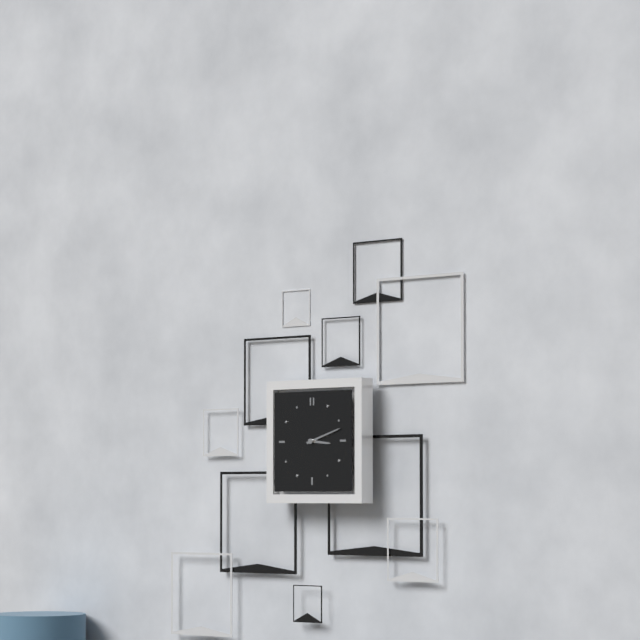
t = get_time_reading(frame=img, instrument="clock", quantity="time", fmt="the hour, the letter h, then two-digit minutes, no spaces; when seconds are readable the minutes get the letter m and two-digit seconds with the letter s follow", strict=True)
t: 3h12
